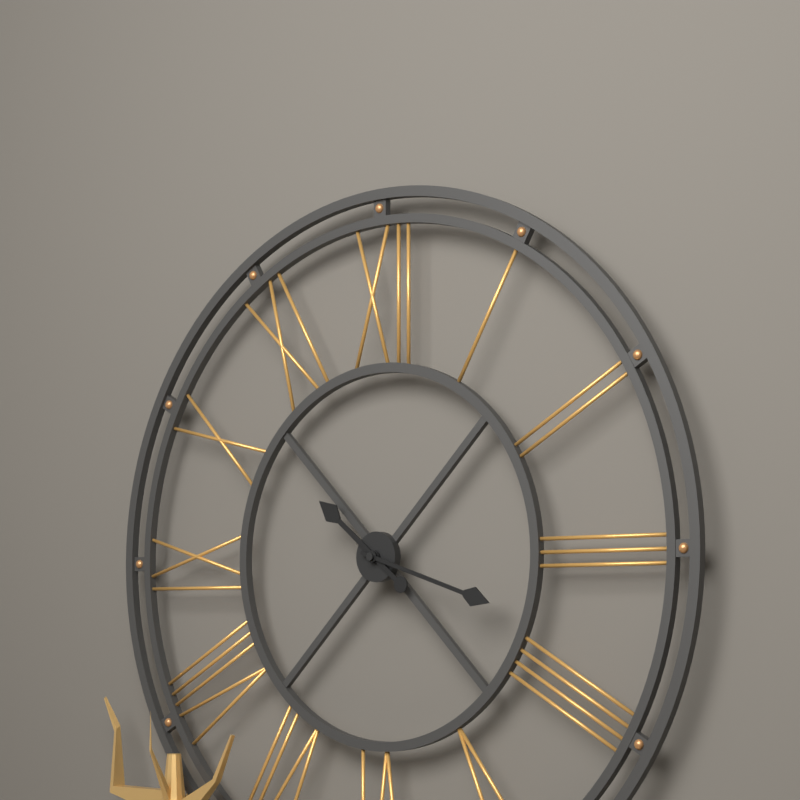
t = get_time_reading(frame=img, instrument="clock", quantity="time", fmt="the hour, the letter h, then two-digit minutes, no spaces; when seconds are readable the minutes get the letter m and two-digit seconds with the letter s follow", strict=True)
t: 10h18
